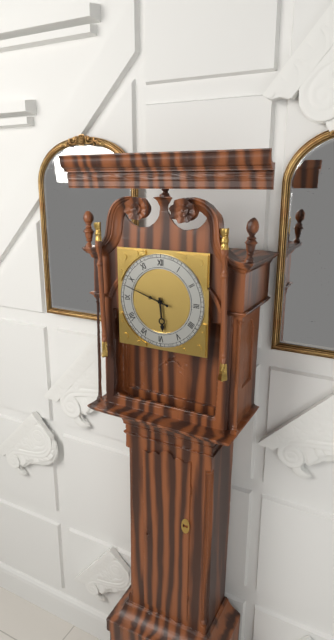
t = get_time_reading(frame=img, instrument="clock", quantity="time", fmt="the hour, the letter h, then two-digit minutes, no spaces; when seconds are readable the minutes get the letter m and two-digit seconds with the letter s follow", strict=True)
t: 5h48
